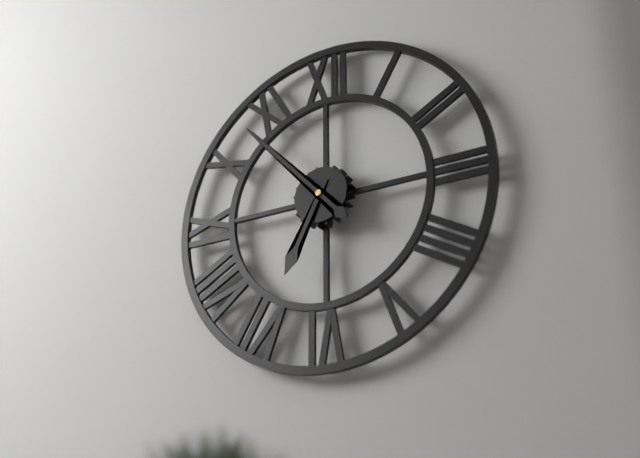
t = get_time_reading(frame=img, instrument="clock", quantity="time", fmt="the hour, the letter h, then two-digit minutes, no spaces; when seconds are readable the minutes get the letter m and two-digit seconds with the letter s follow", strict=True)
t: 6h53
